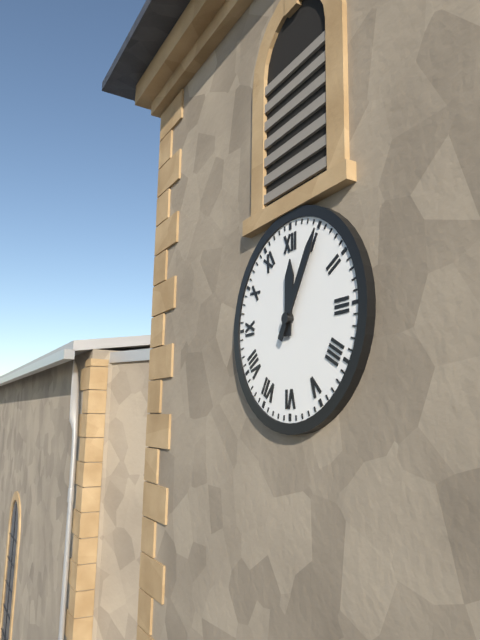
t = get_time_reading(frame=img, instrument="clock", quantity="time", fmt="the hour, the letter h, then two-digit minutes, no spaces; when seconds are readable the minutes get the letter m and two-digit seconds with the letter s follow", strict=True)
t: 12h05
